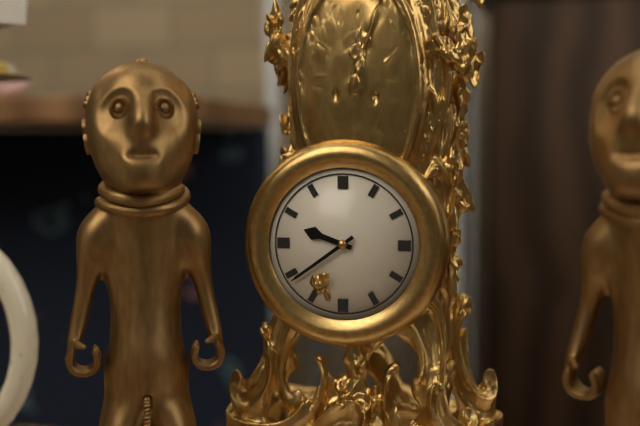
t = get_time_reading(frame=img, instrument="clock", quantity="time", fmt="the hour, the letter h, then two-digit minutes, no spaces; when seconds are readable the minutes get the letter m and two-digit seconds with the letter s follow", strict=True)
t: 9h39
